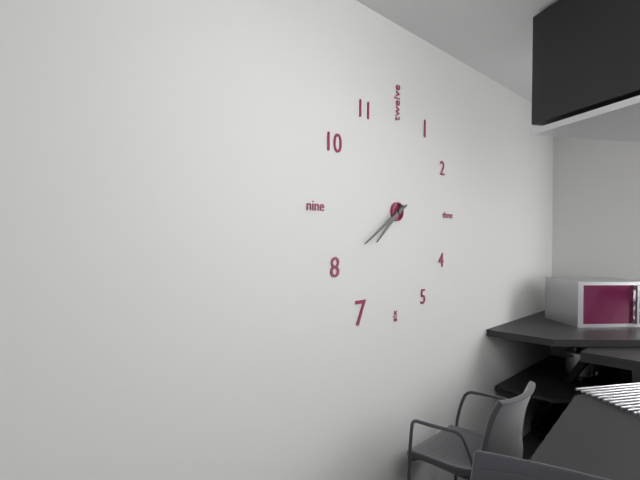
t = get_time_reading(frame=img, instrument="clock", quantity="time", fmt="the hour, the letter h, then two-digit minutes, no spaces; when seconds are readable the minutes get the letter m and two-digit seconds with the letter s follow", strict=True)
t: 7h40
